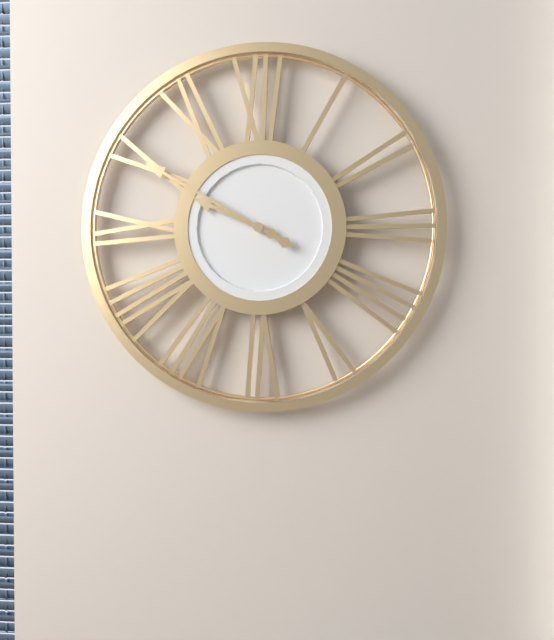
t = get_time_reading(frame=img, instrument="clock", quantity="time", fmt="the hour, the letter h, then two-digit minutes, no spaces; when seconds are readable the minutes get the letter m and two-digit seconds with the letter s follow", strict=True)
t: 9h50
